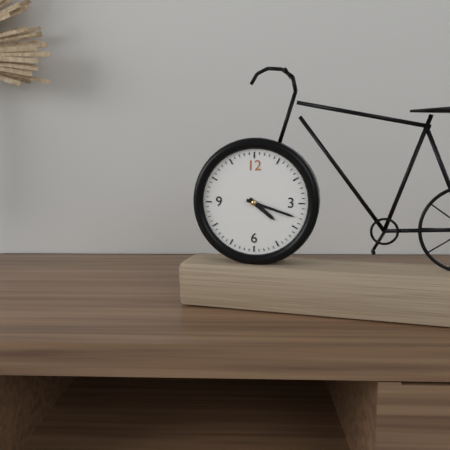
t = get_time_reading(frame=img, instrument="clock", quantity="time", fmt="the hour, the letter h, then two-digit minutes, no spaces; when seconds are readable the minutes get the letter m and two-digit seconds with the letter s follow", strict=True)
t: 4h18
